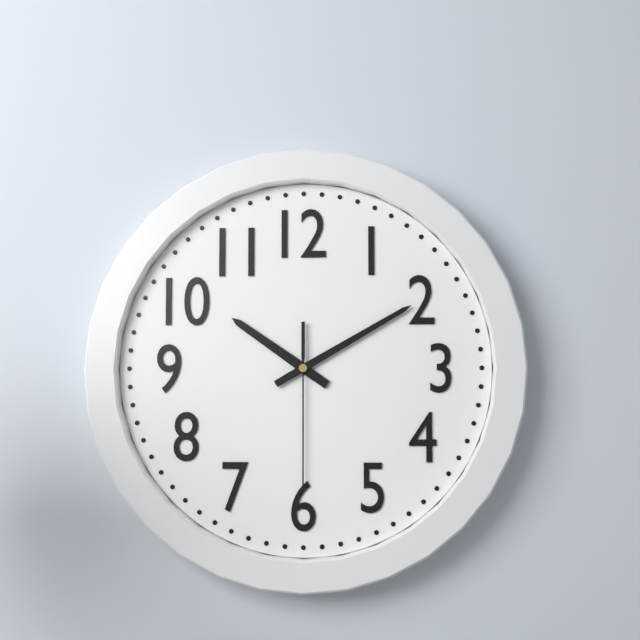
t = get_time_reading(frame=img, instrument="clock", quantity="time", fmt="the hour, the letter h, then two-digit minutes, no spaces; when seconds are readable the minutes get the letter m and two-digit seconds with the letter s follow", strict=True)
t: 10h10m30s
